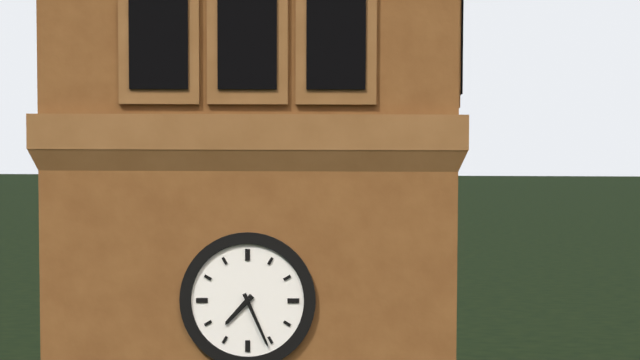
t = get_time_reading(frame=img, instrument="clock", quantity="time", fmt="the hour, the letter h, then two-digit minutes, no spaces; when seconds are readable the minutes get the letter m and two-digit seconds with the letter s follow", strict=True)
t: 7h26
